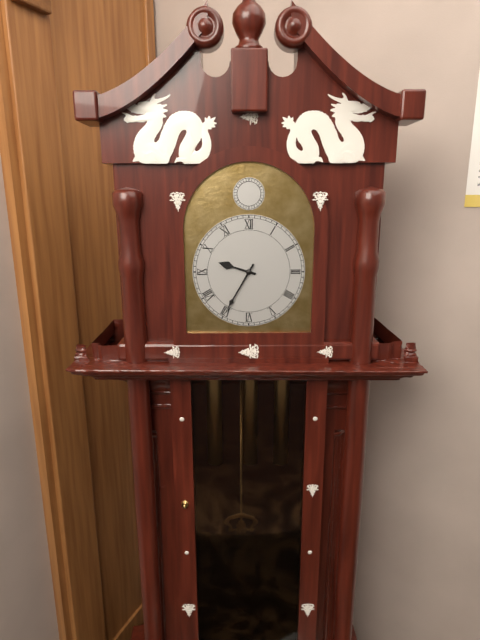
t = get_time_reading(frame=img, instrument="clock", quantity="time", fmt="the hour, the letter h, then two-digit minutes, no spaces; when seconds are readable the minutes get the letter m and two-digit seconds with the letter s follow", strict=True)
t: 9h35
